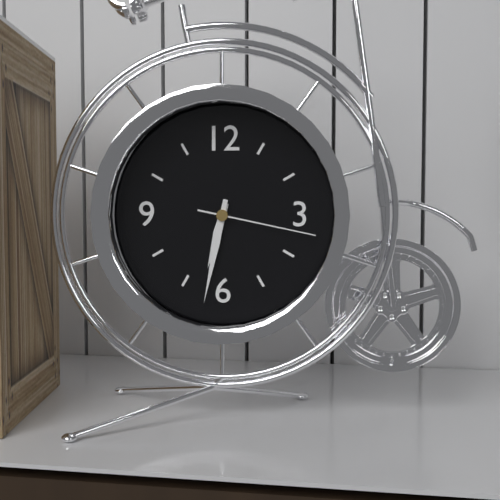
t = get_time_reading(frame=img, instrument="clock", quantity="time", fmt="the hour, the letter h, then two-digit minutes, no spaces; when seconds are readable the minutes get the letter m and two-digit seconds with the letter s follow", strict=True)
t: 6h32m17s
